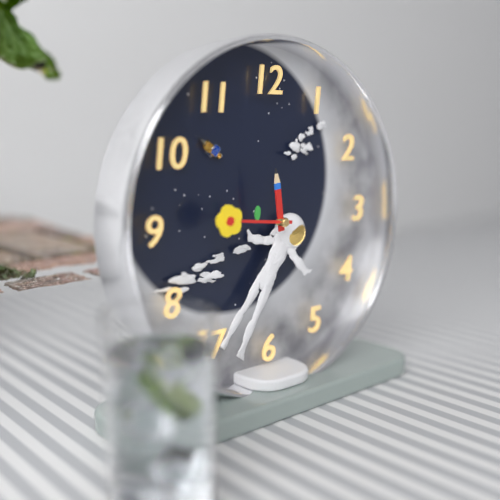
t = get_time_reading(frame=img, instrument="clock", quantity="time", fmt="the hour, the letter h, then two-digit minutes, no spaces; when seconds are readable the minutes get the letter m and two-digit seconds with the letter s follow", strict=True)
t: 11h46
